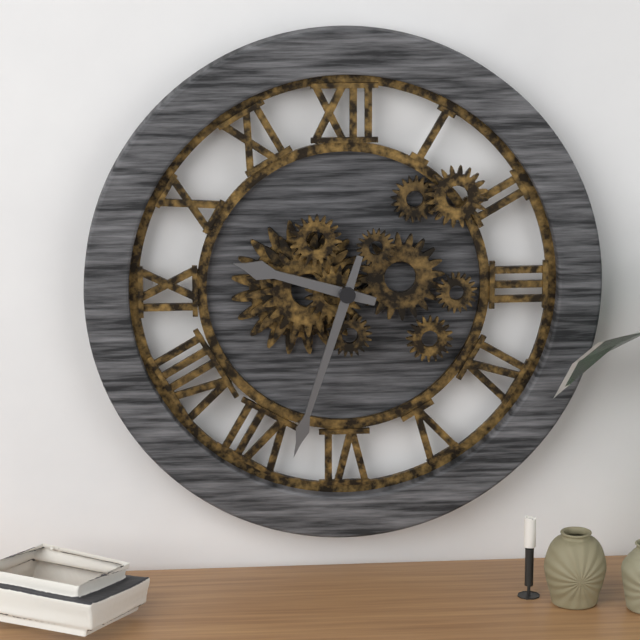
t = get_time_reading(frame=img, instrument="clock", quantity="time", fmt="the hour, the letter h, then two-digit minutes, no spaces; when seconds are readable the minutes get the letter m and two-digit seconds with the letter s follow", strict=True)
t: 9h33
